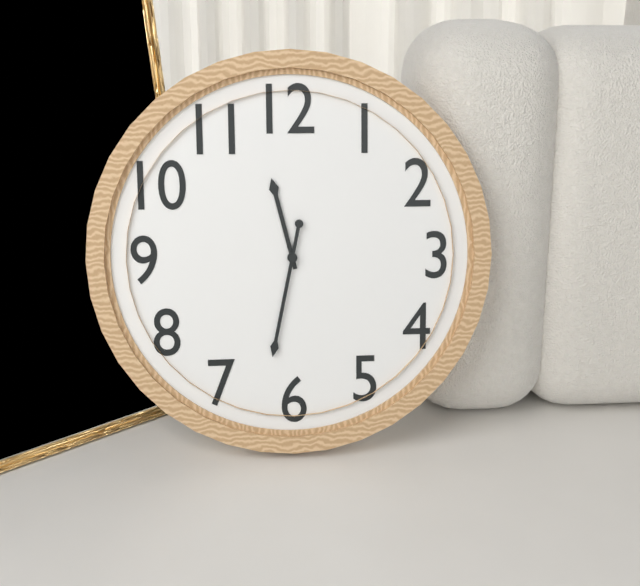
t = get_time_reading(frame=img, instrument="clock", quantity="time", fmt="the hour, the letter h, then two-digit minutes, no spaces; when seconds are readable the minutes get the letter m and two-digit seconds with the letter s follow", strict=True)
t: 11h32
